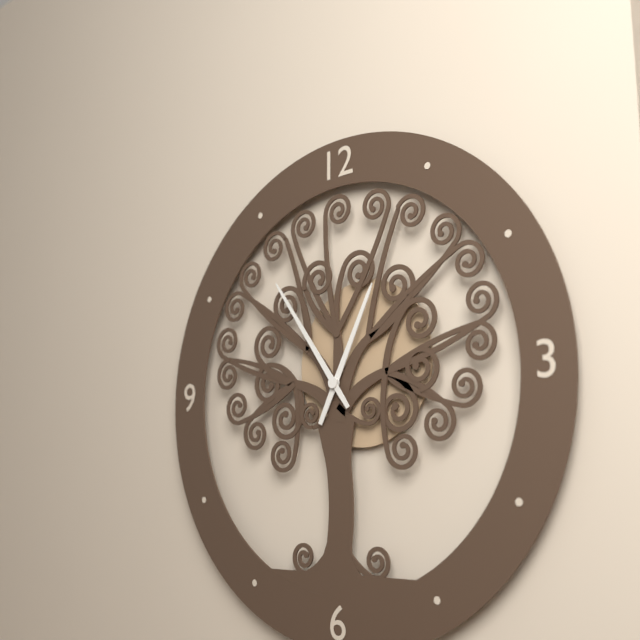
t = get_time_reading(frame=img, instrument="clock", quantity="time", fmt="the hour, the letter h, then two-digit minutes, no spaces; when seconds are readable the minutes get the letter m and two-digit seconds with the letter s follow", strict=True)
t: 12h54
